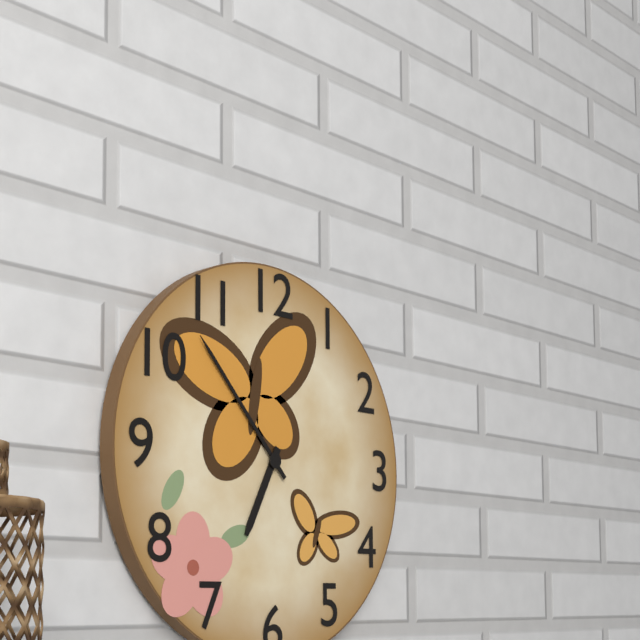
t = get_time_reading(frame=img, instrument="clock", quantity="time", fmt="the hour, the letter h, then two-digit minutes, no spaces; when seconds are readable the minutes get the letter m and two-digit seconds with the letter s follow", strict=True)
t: 6h53
